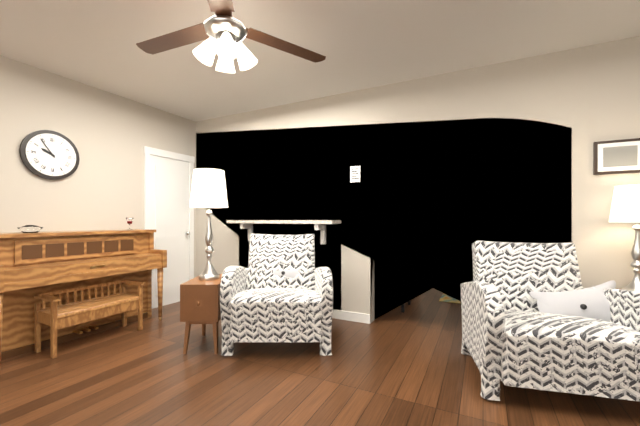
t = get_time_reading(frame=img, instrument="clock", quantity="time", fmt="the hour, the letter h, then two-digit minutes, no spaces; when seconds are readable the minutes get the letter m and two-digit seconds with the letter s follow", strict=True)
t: 9h54
